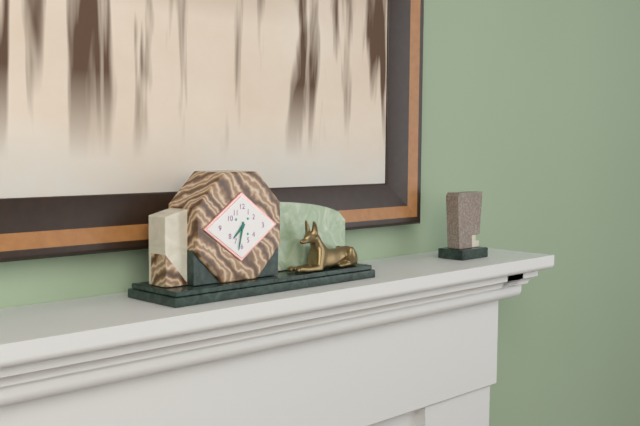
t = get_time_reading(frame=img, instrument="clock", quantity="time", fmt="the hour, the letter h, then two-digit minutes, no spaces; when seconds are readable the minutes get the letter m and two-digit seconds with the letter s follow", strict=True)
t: 7h32
